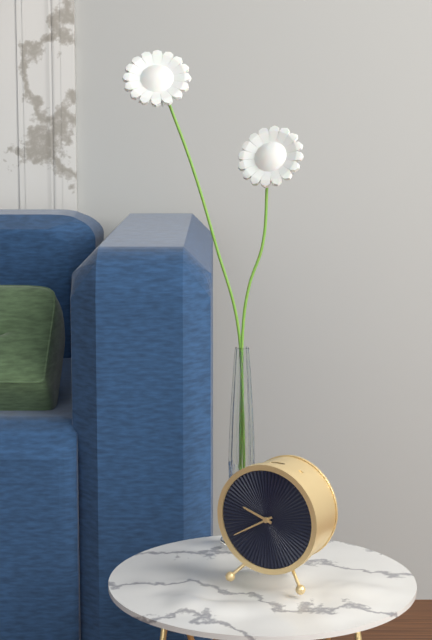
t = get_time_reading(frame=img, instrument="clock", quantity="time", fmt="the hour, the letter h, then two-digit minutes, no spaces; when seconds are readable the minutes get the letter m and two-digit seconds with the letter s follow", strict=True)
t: 9h40
